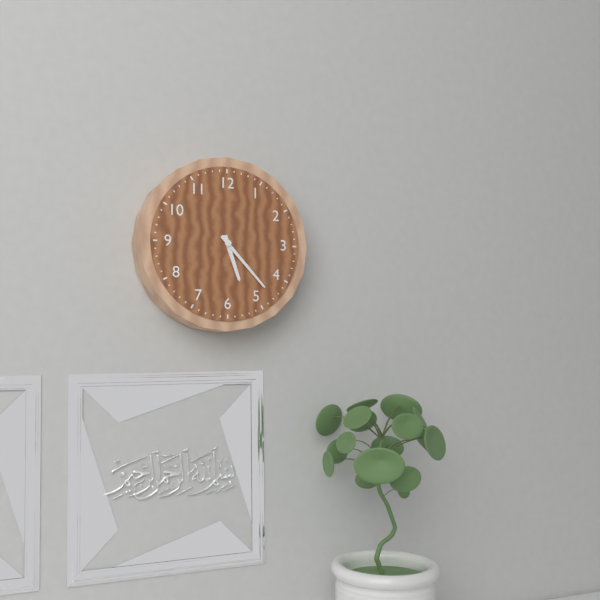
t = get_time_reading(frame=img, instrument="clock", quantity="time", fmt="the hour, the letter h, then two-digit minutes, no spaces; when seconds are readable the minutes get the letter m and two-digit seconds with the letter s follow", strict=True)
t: 5h23
